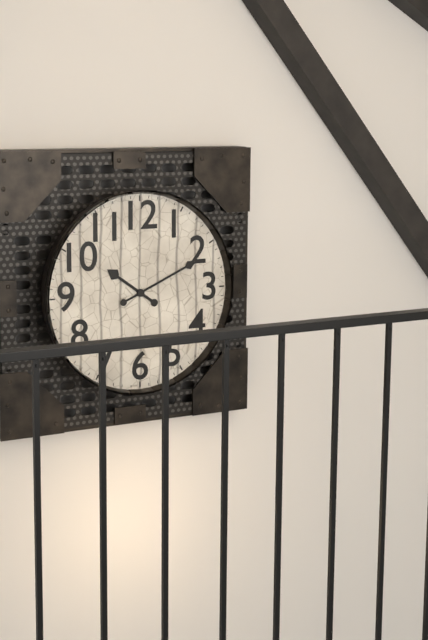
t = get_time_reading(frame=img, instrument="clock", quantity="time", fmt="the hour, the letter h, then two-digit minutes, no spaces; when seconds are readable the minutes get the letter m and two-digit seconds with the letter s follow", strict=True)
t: 10h11
